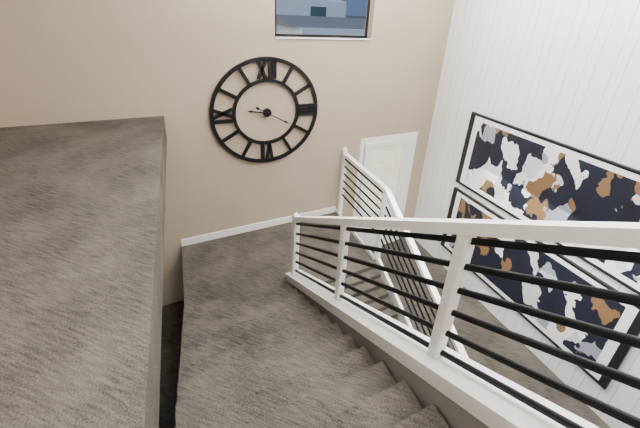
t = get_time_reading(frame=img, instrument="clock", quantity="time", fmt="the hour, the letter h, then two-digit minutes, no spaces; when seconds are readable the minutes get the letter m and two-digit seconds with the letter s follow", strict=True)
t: 9h20
